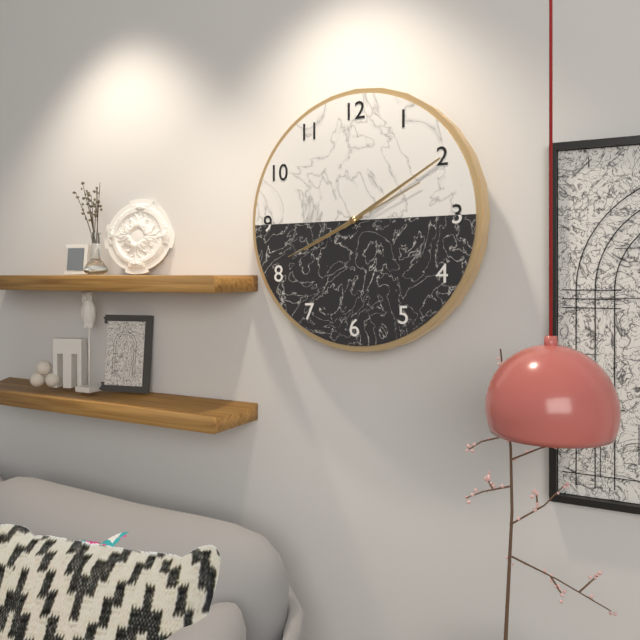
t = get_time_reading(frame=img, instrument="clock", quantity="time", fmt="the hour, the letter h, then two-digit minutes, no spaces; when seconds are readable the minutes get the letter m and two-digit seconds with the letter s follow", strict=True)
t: 8h10m41s
